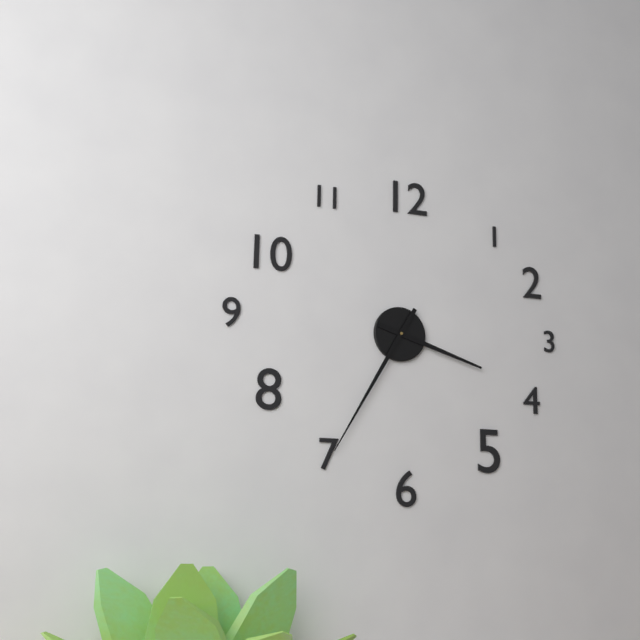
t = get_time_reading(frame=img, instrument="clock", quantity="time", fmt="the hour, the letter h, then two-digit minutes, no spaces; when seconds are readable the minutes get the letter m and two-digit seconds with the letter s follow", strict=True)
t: 3h35
